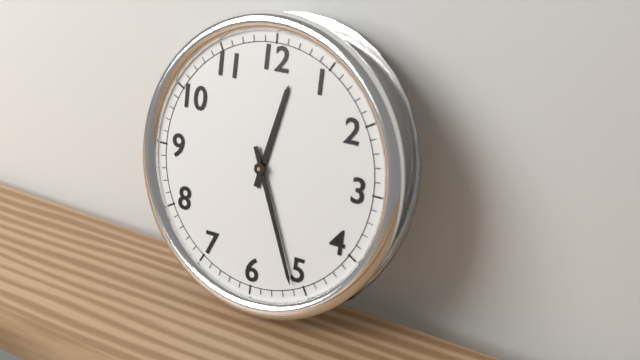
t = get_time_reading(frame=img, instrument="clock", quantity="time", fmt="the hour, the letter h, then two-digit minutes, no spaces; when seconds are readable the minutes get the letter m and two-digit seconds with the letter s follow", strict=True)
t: 12h26
